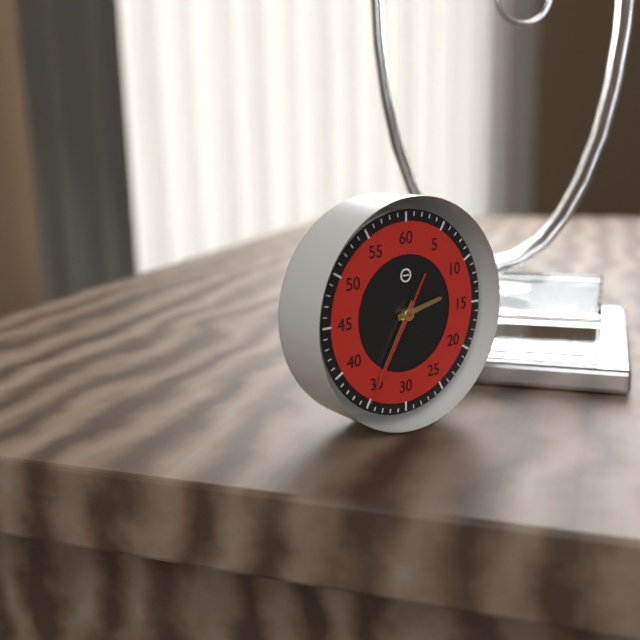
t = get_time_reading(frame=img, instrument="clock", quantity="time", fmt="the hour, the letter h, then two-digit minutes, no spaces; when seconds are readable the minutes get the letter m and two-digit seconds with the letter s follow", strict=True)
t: 2h35m35s
